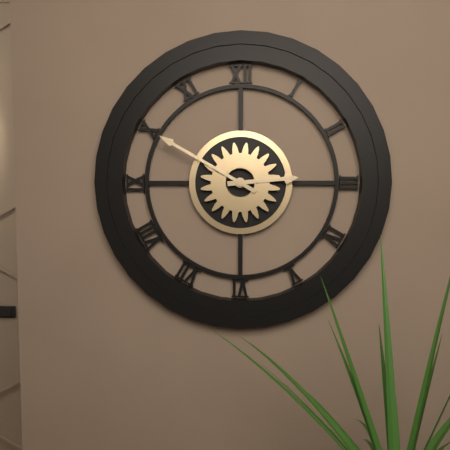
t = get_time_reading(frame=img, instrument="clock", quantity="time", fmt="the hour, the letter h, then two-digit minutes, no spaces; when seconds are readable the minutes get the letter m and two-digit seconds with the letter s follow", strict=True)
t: 2h50
